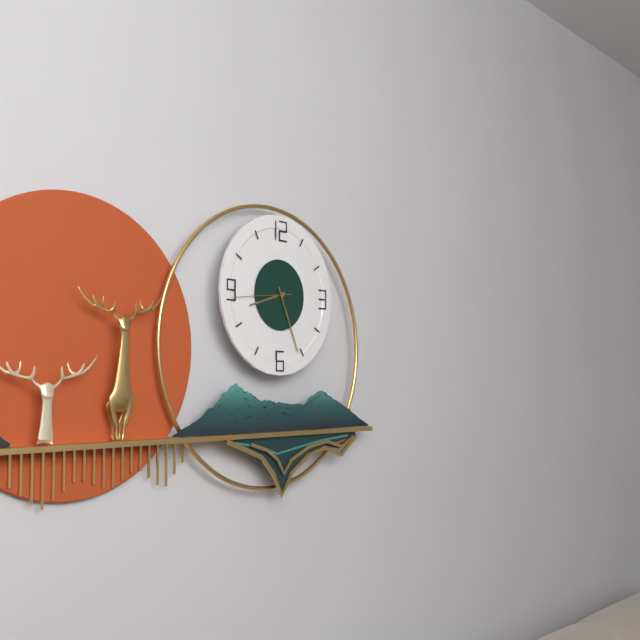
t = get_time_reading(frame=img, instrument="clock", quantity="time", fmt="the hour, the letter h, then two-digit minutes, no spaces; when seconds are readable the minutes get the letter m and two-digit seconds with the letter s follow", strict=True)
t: 8h26m44s
